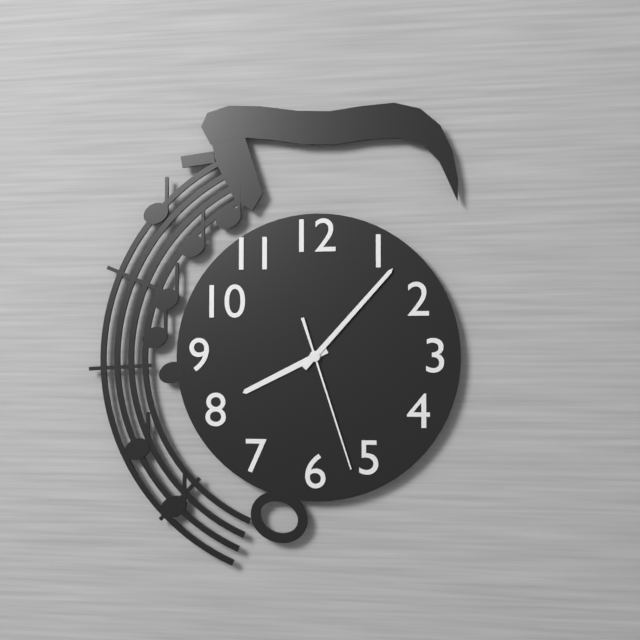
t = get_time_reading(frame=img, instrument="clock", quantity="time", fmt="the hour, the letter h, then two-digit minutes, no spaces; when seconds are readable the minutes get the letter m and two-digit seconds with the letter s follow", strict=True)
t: 8h07m27s
